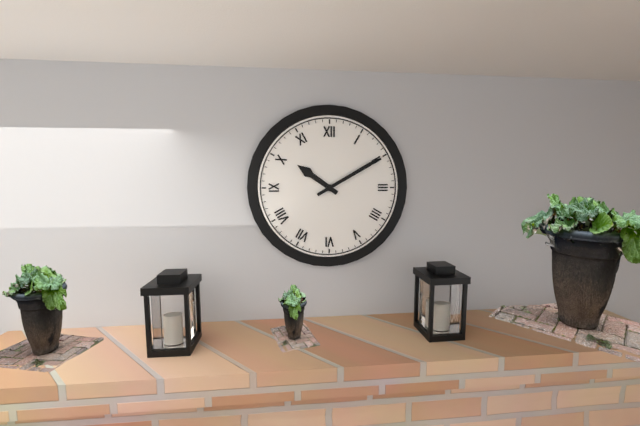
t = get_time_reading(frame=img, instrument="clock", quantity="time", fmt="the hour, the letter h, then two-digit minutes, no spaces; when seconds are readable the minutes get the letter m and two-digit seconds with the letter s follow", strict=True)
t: 10h10
